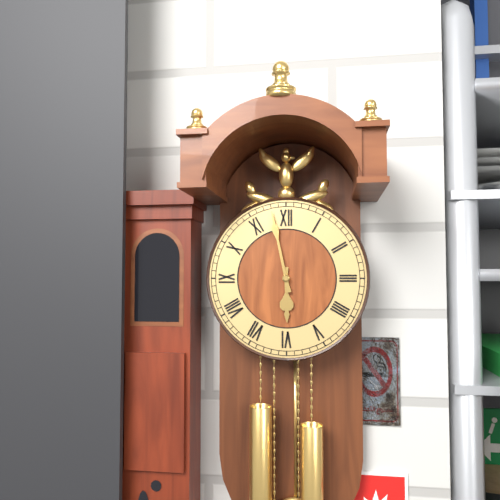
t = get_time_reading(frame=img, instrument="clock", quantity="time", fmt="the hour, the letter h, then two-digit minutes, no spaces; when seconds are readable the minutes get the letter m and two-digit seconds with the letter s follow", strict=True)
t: 5h58
